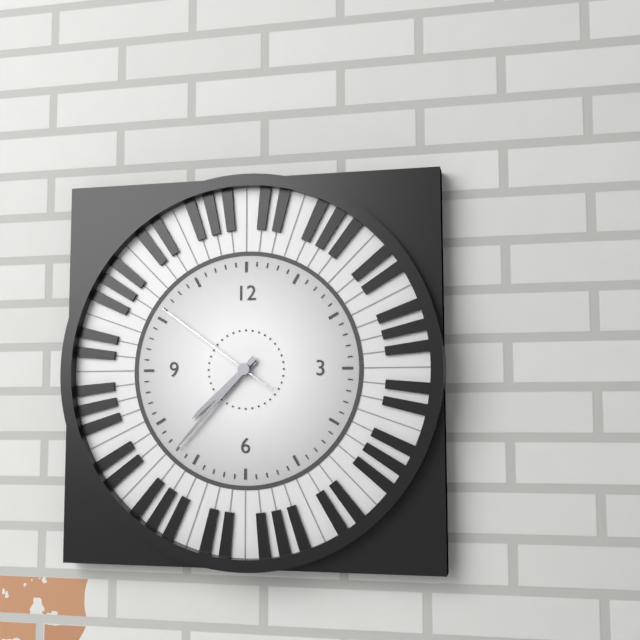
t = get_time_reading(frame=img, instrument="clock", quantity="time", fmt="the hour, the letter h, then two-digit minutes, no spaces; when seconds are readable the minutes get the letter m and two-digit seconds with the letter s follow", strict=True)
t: 7h37m51s
